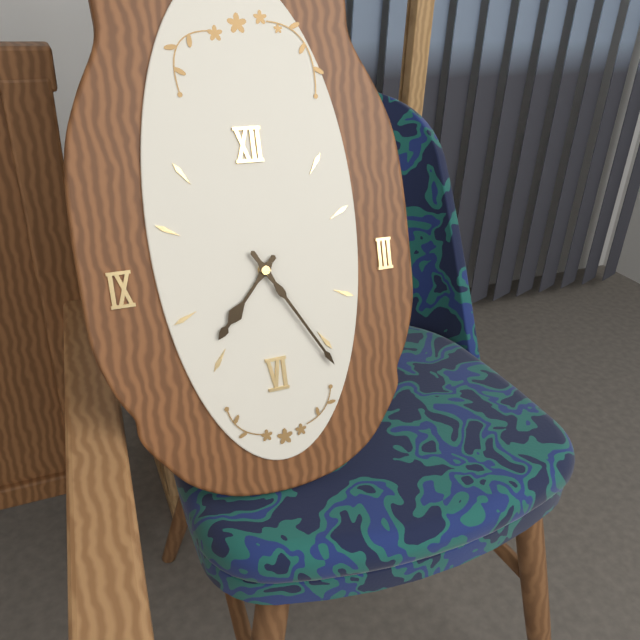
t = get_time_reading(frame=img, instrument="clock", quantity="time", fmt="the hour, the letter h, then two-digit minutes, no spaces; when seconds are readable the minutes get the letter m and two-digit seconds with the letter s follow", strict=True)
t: 7h25
